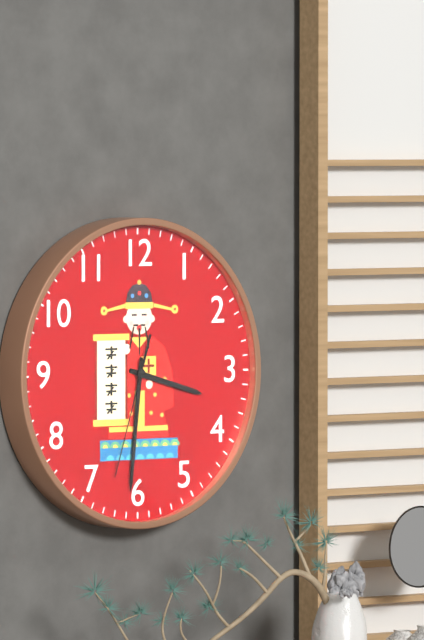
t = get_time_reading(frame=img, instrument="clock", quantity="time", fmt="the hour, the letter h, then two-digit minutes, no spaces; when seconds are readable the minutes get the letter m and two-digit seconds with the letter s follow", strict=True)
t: 3h31m33s
